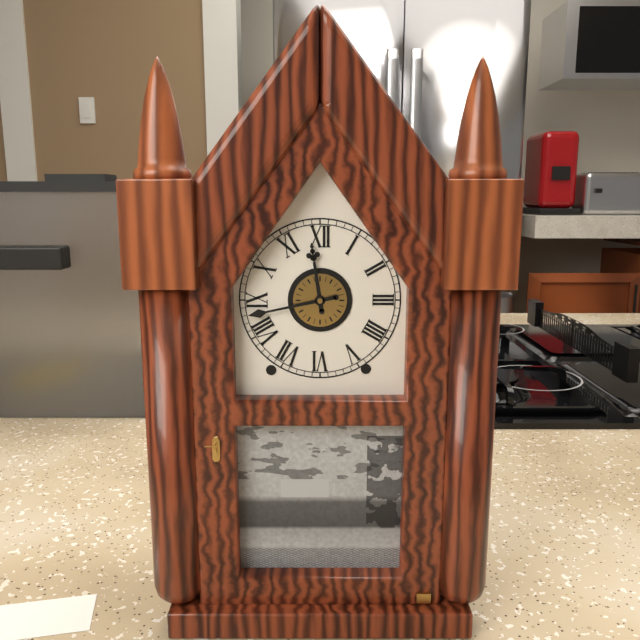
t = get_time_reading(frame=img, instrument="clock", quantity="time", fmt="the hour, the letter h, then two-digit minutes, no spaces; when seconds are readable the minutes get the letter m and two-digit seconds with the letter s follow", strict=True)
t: 11h43
